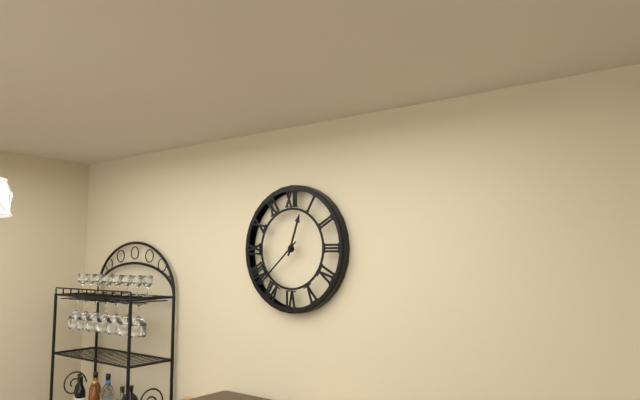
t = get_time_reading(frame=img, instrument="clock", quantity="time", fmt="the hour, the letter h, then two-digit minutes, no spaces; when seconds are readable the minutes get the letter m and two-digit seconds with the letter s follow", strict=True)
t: 12h38
